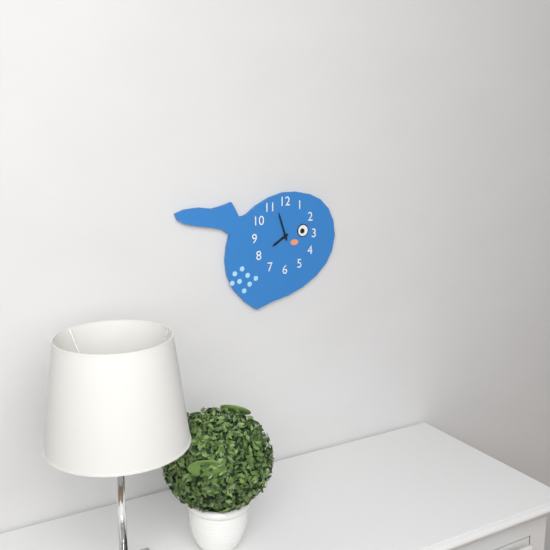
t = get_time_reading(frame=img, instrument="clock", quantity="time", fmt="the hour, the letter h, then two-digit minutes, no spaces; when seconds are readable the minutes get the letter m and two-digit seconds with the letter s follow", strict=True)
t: 7h57
